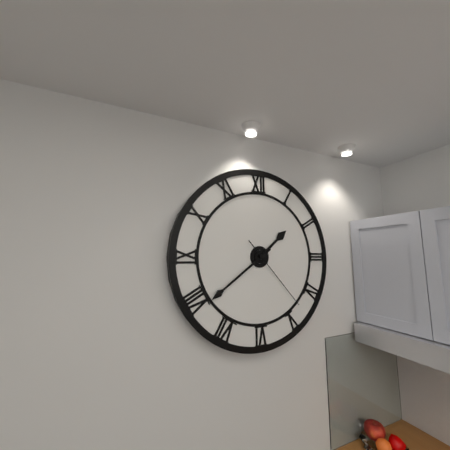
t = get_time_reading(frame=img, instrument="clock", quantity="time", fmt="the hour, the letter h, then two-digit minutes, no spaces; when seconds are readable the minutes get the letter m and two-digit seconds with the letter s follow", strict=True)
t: 1h39m23s
